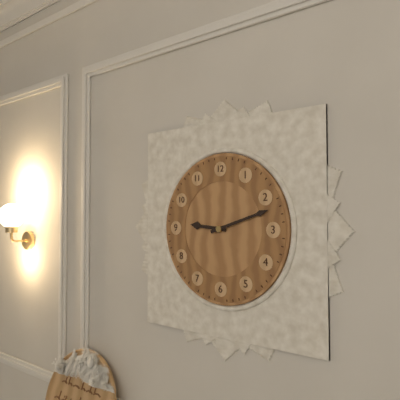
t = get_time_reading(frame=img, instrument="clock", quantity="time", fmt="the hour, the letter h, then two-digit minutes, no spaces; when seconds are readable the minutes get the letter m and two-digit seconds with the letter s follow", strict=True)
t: 9h12
